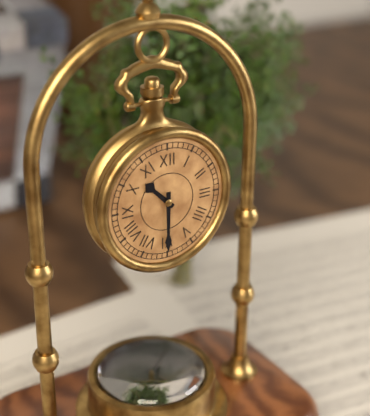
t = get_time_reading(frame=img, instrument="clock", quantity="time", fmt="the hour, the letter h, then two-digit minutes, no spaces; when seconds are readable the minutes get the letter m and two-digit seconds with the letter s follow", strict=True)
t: 10h30
